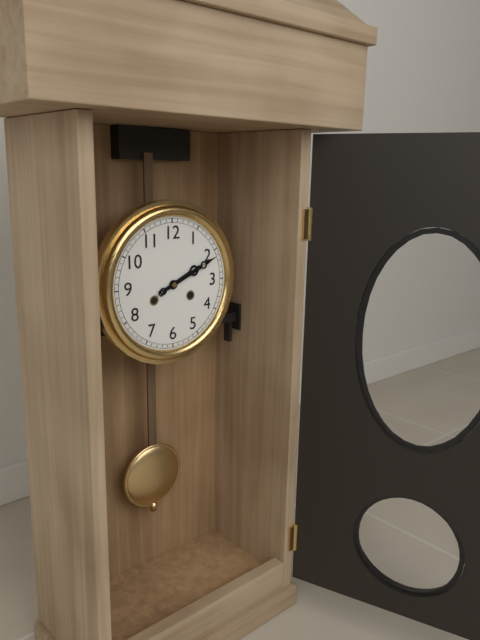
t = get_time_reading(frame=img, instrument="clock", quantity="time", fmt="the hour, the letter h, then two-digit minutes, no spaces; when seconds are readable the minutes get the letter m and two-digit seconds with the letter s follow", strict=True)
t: 2h11
